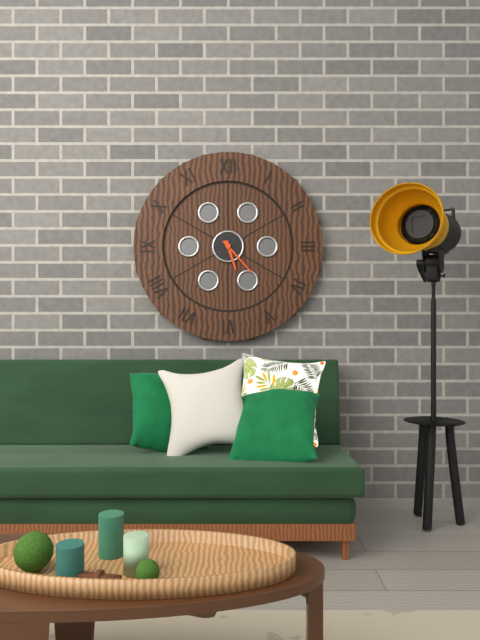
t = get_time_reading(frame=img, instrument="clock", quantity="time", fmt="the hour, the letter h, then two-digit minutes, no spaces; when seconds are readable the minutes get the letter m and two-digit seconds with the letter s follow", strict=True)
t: 5h23
